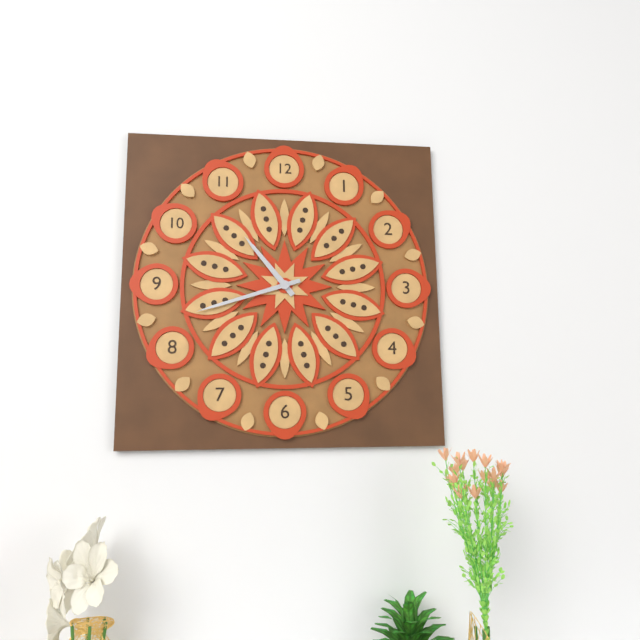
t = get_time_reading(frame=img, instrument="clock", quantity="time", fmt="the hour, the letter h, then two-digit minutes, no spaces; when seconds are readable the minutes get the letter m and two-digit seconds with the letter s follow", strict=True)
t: 10h42
